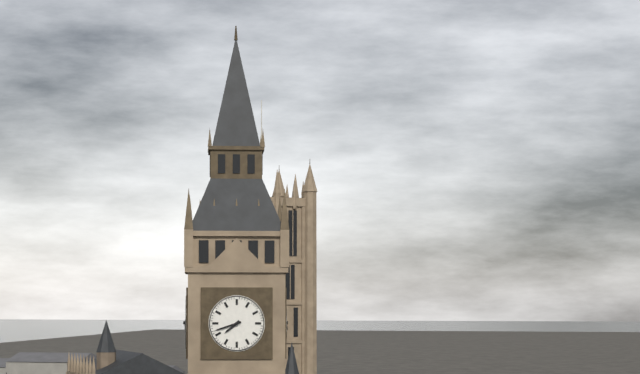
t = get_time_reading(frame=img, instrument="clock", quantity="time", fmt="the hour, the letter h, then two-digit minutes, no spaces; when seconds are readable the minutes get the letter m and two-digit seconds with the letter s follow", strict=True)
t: 7h42
